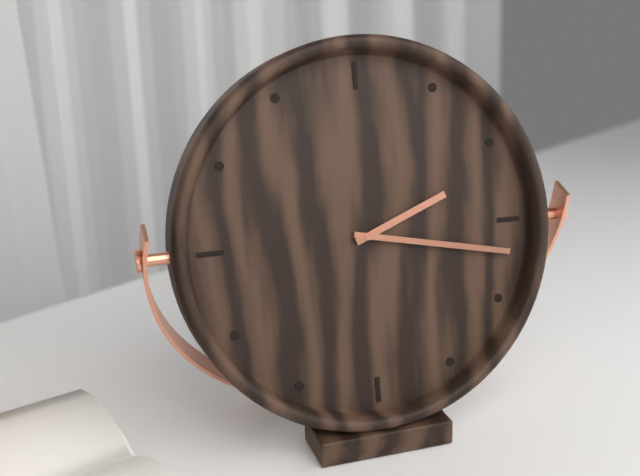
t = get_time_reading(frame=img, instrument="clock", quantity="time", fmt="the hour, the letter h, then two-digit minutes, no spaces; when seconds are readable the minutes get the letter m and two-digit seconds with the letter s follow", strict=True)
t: 2h17
